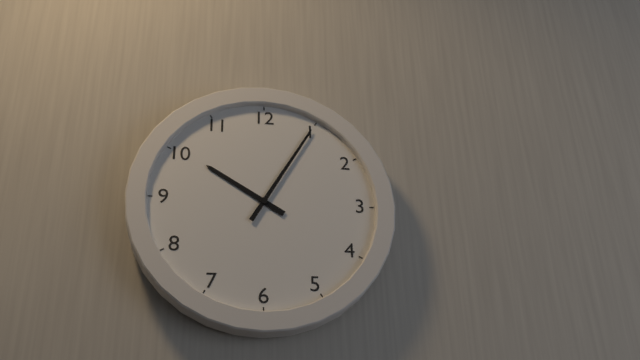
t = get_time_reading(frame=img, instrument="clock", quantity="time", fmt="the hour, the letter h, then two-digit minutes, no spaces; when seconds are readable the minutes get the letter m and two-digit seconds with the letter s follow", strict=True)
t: 10h05
